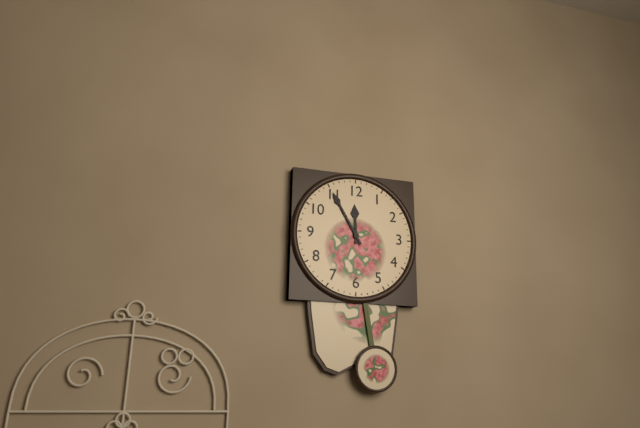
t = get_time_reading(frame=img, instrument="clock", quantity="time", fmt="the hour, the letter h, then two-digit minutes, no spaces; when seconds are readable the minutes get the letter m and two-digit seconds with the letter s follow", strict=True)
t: 11h55
